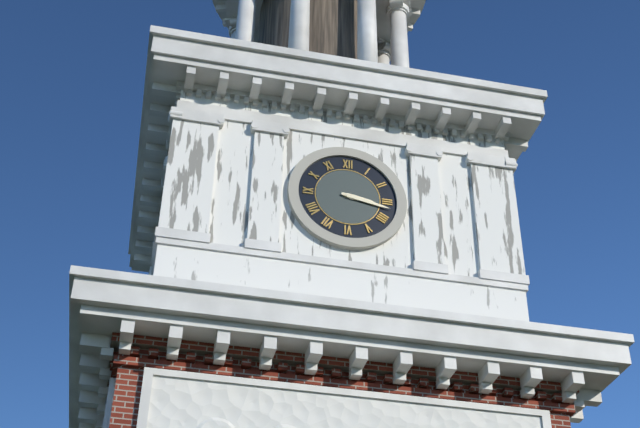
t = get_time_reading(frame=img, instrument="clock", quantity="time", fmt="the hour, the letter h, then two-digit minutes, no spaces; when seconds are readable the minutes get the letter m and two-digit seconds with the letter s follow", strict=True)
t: 3h17
